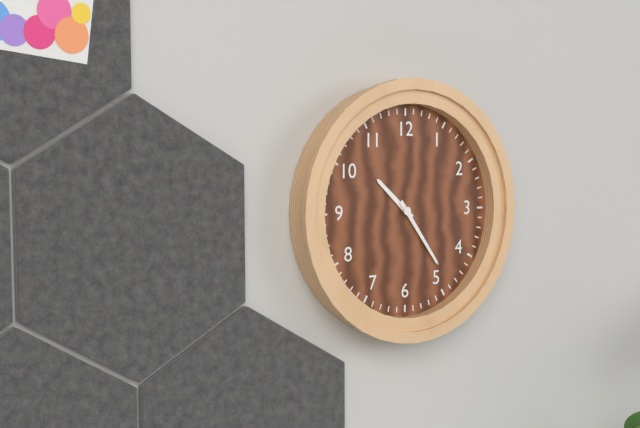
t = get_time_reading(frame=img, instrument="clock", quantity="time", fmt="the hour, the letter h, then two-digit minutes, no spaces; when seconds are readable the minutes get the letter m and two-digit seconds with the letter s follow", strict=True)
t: 10h24
